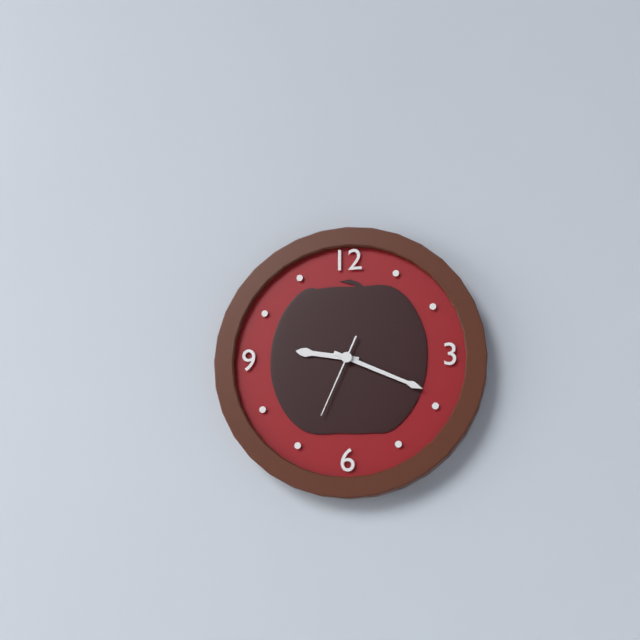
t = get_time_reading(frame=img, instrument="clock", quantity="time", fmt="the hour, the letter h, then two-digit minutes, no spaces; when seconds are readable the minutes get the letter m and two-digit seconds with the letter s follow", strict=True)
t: 9h19m34s
